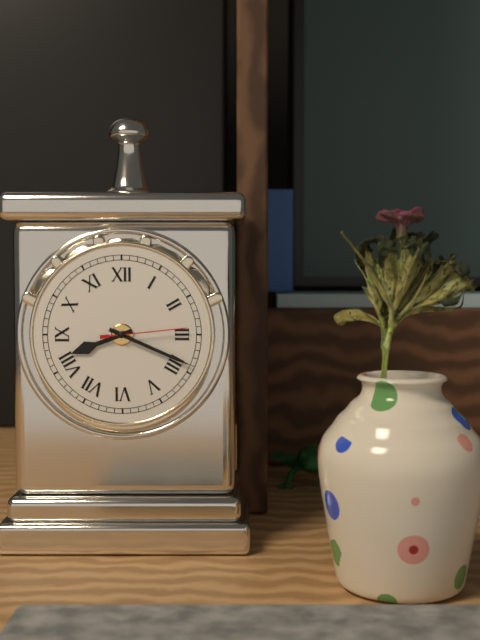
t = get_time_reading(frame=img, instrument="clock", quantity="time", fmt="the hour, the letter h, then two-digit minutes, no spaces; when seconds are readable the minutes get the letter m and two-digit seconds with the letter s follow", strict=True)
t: 8h19m14s
